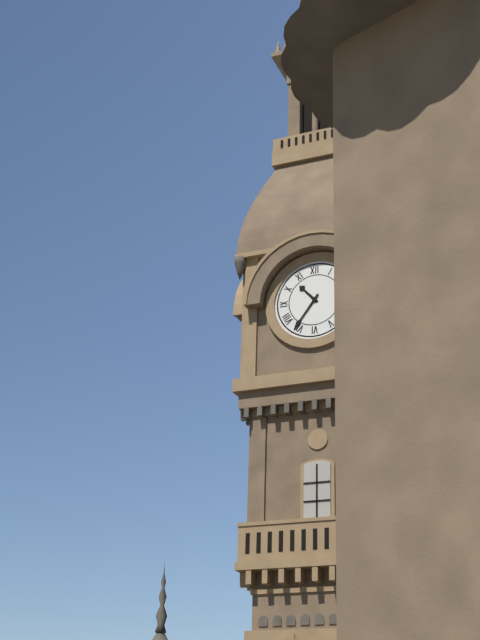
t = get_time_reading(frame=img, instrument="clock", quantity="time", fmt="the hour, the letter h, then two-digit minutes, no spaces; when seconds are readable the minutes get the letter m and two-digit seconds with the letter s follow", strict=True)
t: 10h36
